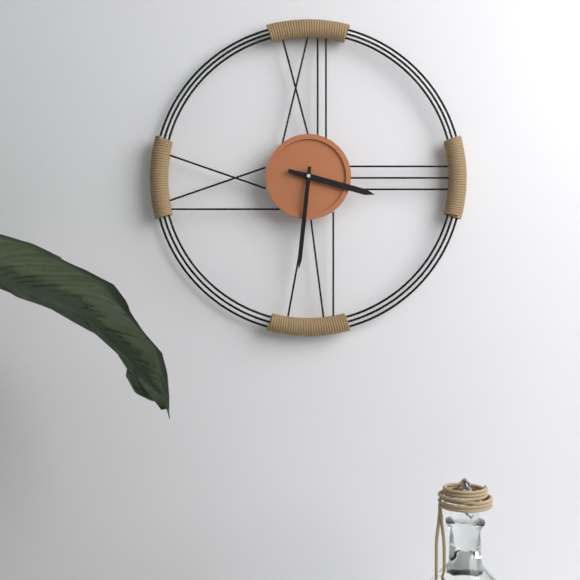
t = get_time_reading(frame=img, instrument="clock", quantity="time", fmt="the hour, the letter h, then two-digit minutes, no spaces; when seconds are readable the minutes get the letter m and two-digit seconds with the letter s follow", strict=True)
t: 3h31
